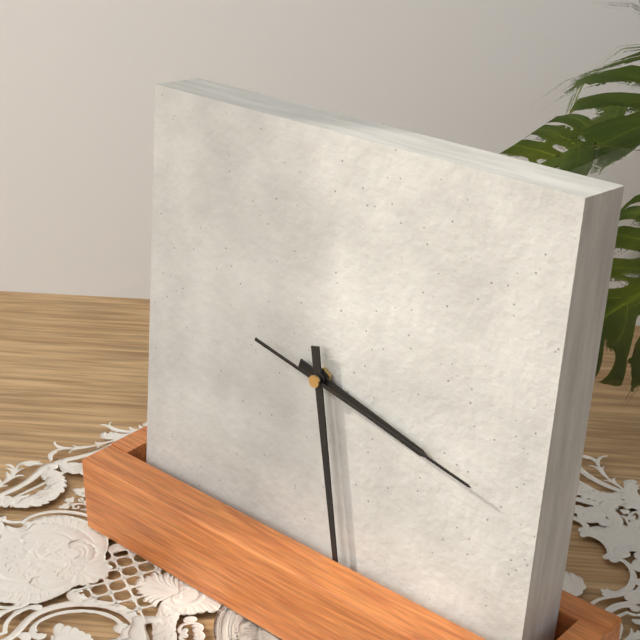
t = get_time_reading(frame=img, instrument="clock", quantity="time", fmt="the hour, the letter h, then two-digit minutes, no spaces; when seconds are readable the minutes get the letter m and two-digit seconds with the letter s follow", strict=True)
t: 3h28m17s
